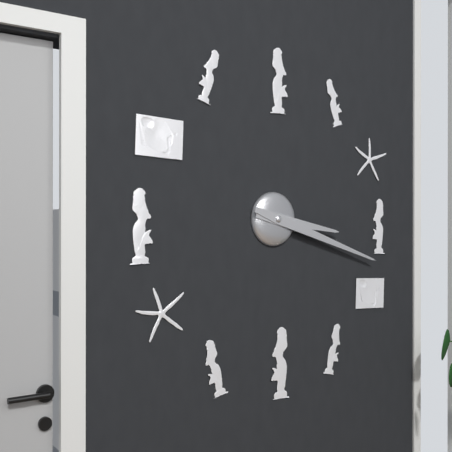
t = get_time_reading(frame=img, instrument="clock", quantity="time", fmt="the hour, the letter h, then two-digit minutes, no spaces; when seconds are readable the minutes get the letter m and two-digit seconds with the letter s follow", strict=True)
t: 3h18
